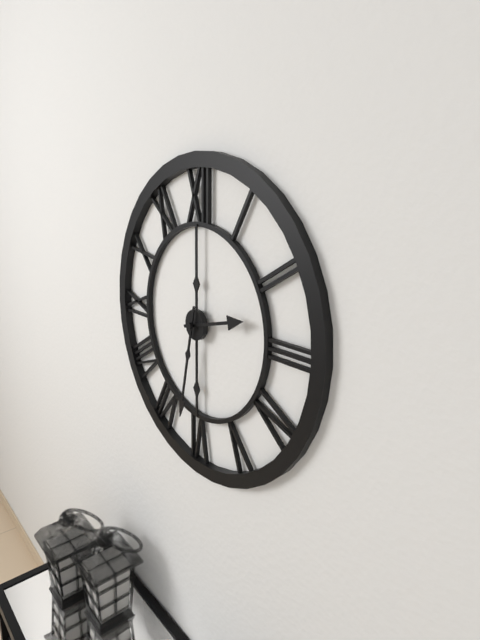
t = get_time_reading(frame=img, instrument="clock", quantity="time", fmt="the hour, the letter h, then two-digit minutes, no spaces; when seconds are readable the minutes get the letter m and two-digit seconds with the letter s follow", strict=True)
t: 2h32
